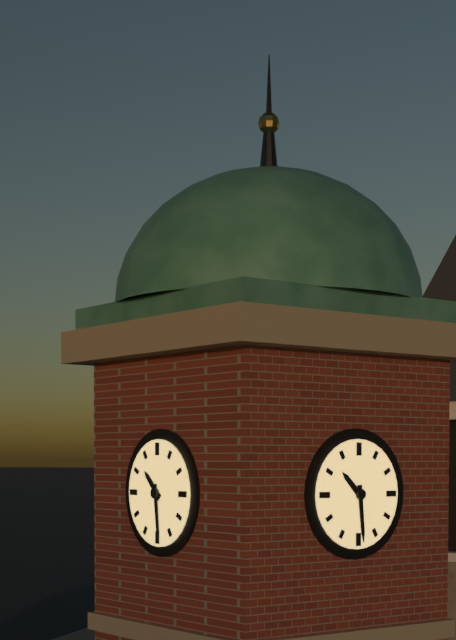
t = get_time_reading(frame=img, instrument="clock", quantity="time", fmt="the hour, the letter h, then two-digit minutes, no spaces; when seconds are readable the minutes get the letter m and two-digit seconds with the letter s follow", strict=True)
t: 10h29
